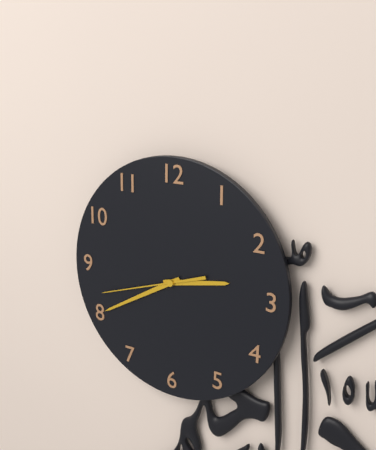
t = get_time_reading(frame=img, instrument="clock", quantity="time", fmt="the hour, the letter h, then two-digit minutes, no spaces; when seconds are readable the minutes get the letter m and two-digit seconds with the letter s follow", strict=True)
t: 2h40m42s
